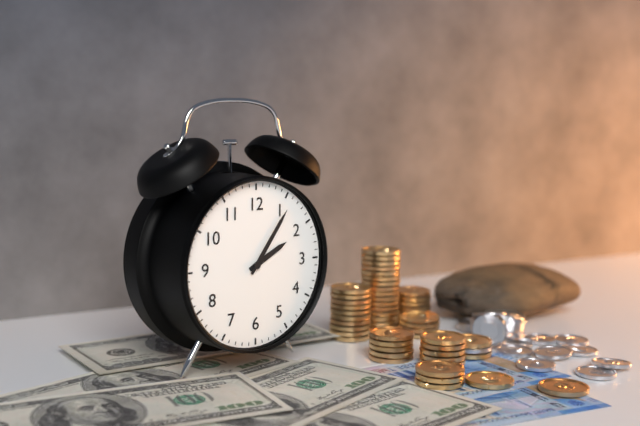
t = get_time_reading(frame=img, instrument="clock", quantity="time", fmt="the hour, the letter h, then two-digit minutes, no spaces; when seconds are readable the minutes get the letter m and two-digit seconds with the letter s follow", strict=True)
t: 2h06
